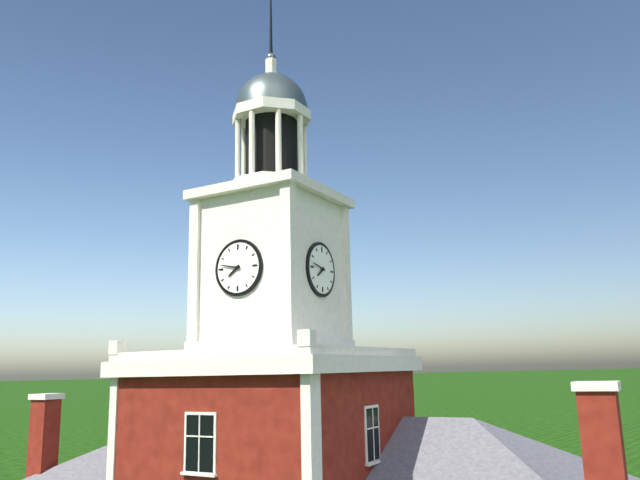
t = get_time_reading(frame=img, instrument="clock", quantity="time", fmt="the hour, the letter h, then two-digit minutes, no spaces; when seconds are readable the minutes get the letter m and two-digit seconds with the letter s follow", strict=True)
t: 7h47
